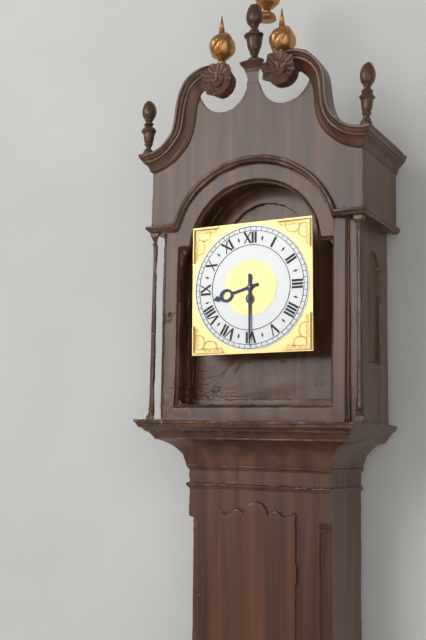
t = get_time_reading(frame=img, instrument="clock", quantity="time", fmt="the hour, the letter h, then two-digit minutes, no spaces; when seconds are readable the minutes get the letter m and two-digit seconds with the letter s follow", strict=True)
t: 8h30
